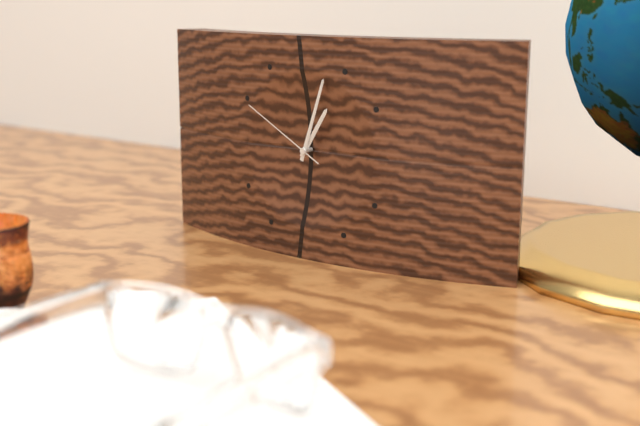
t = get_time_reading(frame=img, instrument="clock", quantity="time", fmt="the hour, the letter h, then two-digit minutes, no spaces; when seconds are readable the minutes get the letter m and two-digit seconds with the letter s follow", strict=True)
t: 1h03m50s
